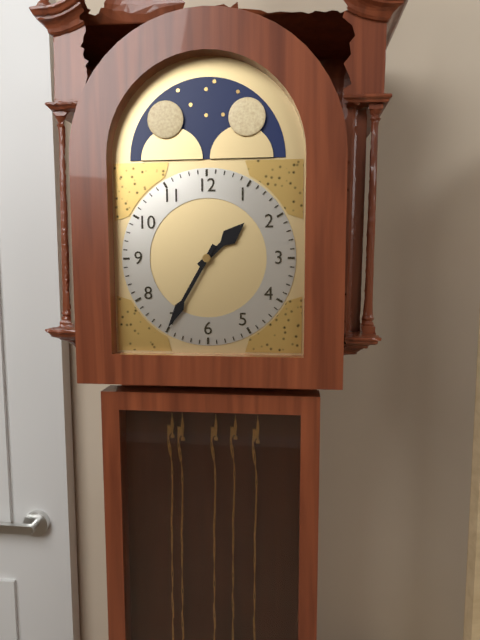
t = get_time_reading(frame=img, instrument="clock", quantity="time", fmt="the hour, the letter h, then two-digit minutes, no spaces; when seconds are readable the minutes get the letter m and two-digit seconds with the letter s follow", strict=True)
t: 1h35
